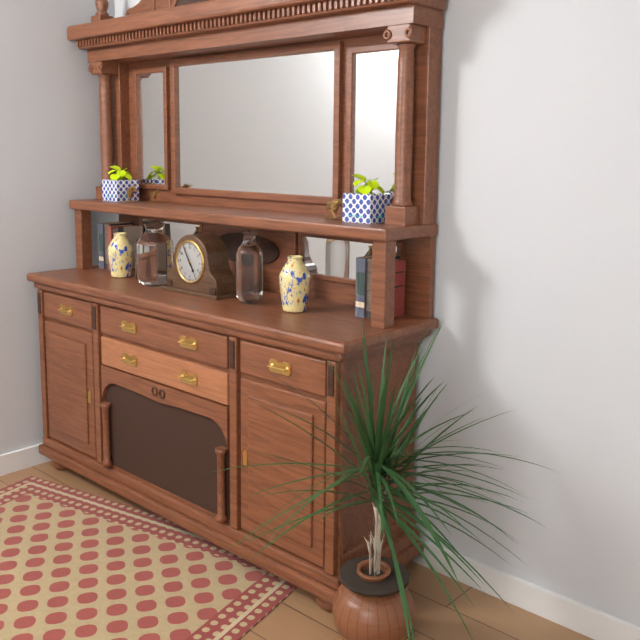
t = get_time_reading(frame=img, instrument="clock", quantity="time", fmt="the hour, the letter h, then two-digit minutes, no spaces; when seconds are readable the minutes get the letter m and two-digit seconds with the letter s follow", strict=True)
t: 4h55
